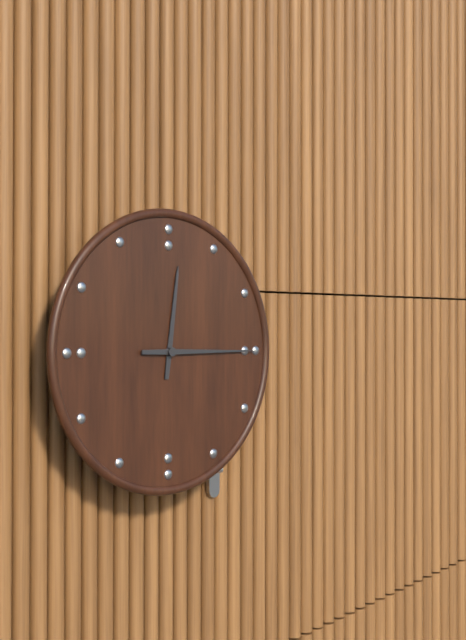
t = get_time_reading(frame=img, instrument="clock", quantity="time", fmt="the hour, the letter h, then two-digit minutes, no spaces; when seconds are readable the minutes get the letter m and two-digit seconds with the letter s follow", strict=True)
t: 12h15
